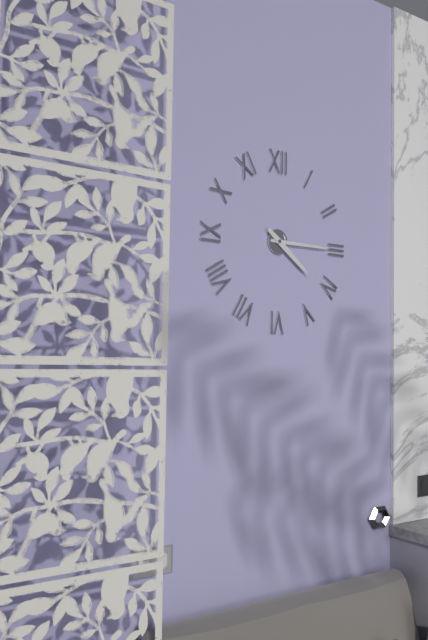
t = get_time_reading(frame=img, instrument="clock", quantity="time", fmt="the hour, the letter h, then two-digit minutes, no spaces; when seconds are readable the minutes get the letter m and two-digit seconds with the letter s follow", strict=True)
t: 4h15
